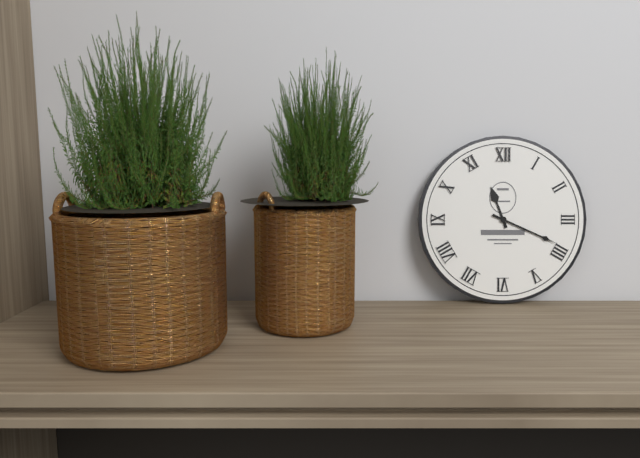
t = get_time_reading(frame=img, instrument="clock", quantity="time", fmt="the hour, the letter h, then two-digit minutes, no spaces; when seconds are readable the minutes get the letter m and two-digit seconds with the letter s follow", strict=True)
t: 11h19
